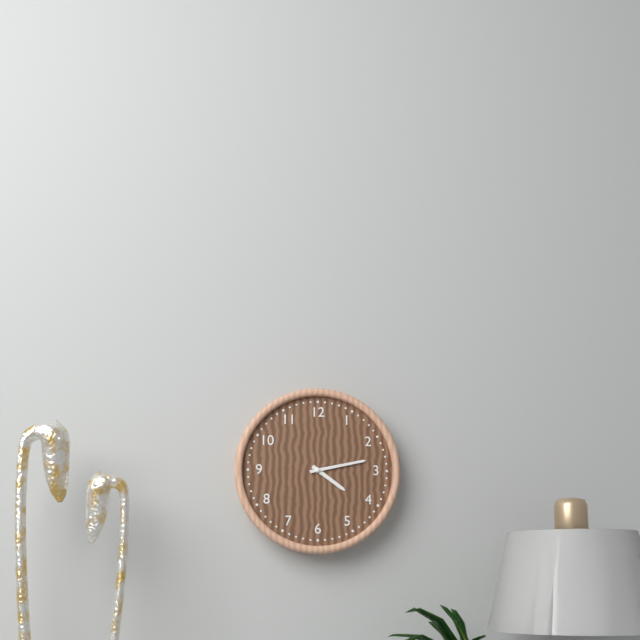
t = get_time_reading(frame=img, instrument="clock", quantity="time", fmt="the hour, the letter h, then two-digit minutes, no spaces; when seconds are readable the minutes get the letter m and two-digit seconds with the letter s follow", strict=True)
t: 4h13
